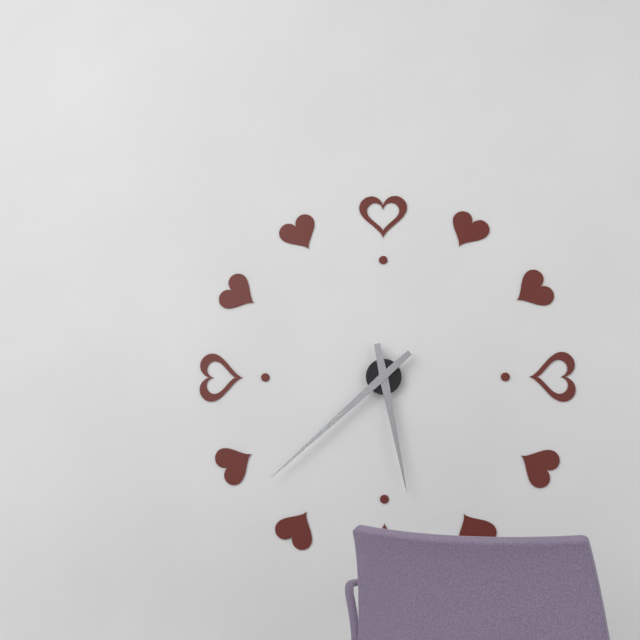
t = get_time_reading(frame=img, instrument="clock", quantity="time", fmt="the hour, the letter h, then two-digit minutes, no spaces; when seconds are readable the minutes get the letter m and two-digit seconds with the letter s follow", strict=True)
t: 5h38
